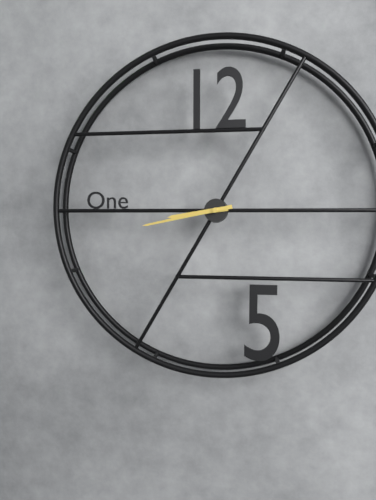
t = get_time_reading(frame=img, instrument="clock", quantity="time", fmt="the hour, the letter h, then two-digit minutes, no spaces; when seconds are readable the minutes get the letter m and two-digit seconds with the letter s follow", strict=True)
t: 8h43
